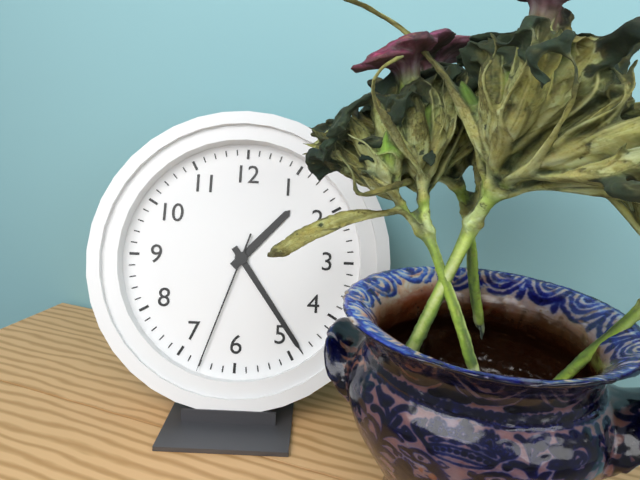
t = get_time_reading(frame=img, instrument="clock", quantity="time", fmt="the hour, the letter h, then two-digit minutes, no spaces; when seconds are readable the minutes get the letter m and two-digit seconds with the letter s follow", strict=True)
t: 1h24m33s
